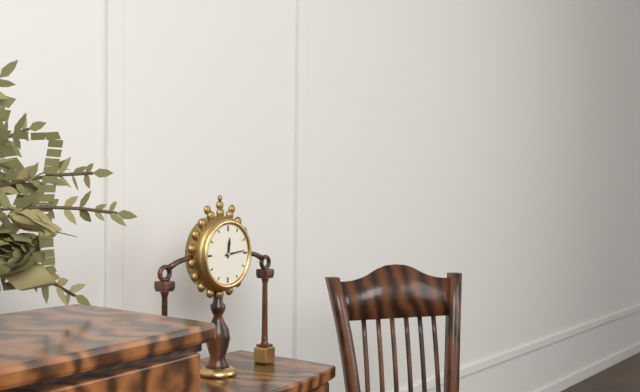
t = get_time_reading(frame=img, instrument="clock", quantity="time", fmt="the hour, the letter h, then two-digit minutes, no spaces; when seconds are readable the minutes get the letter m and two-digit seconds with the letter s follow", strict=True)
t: 12h14
